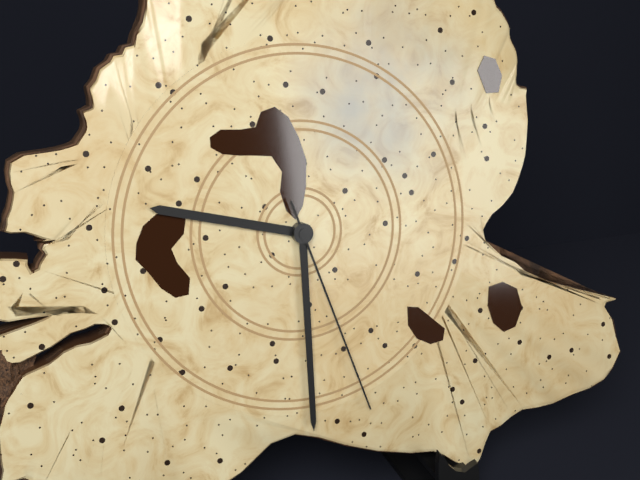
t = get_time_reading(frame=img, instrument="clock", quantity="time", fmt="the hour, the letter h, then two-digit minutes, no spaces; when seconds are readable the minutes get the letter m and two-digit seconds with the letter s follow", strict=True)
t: 9h30m27s
